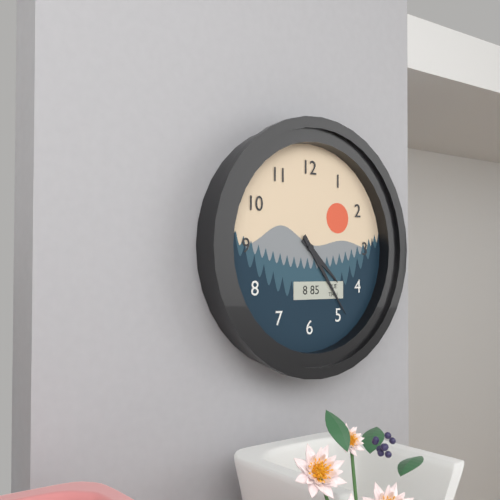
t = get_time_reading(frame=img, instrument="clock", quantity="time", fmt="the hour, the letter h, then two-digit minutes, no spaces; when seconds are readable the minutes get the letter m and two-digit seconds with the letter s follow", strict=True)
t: 4h24
